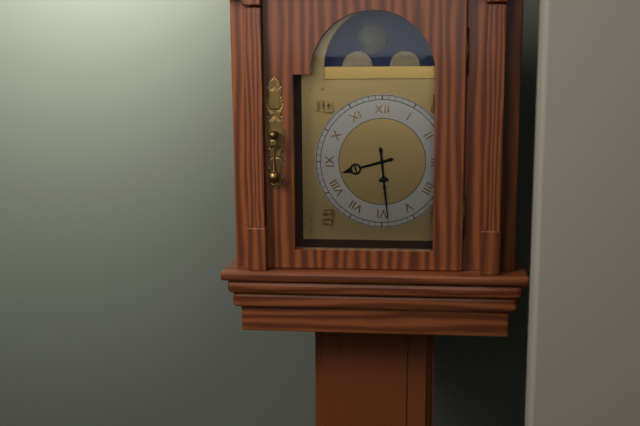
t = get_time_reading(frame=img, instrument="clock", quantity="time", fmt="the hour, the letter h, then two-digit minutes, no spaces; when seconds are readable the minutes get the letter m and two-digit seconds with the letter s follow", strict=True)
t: 8h29
